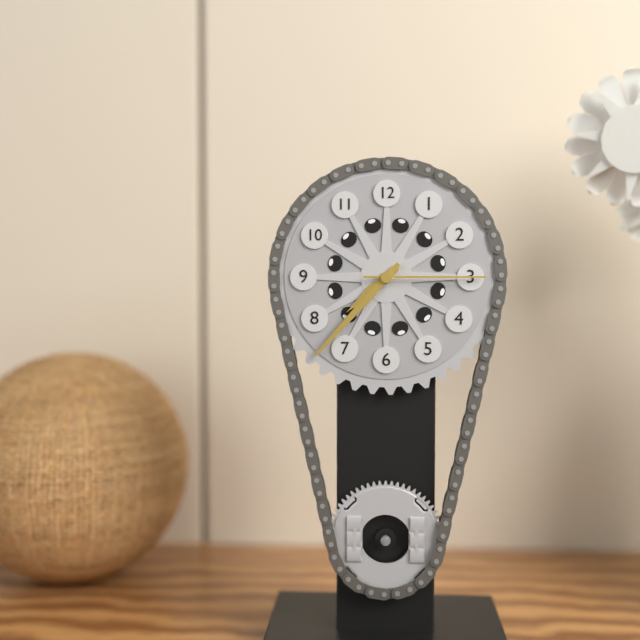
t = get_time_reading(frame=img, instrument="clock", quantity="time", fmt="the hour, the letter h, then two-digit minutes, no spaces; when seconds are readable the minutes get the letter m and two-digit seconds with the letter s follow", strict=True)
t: 7h37m15s
